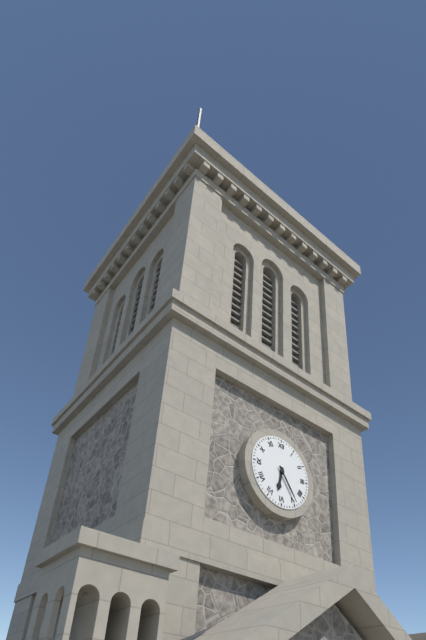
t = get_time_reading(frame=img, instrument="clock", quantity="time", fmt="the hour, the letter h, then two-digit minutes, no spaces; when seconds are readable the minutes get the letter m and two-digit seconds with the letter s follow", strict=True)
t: 6h24
